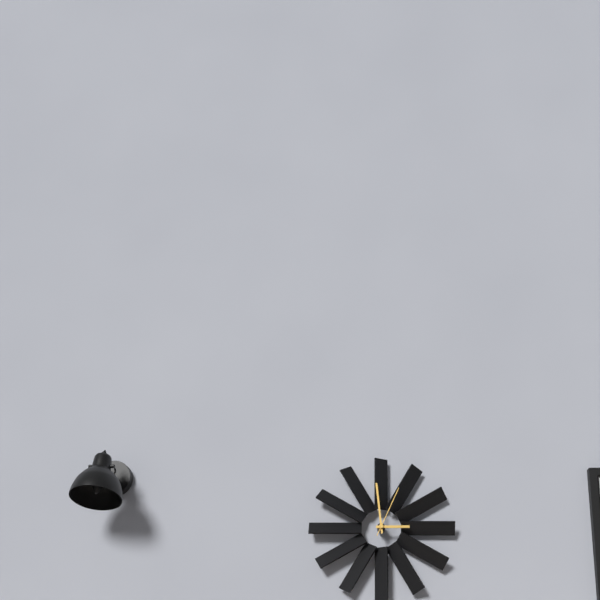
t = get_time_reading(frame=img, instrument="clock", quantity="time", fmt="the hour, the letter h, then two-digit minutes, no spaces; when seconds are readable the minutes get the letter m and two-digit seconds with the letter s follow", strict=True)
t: 2h59m04s
